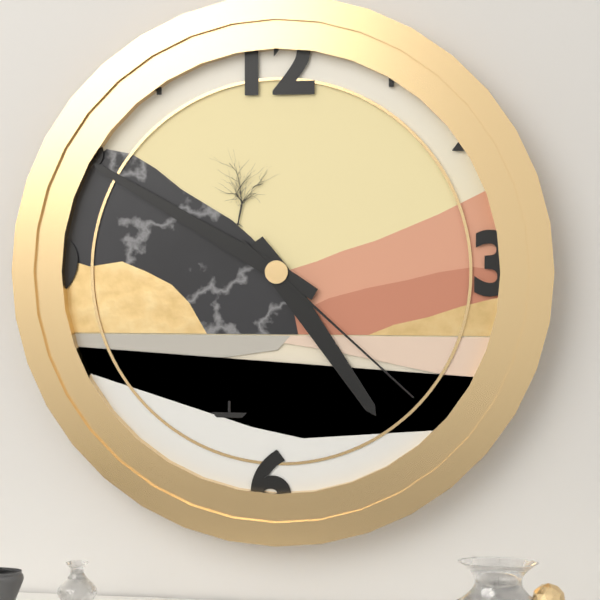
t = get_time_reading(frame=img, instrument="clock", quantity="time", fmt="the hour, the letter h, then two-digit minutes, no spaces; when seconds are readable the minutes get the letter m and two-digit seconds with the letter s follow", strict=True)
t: 4h50m22s
